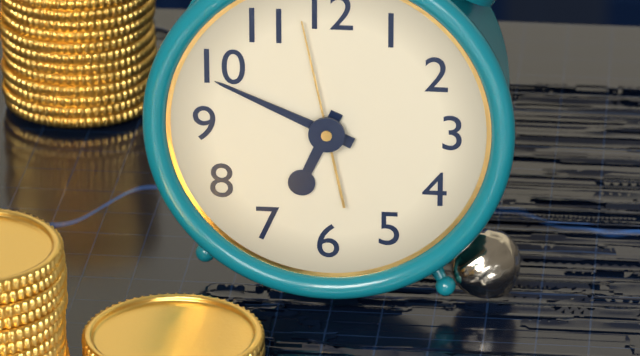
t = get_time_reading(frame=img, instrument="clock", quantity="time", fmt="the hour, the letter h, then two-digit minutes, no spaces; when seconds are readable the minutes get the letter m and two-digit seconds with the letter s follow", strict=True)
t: 6h49m58s
